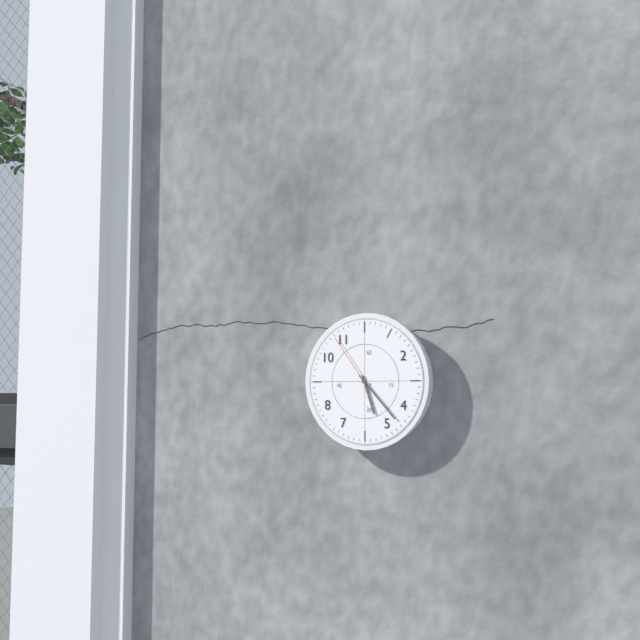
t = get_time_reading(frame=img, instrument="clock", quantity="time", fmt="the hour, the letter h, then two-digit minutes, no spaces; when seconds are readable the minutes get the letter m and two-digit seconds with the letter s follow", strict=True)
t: 5h23m54s
